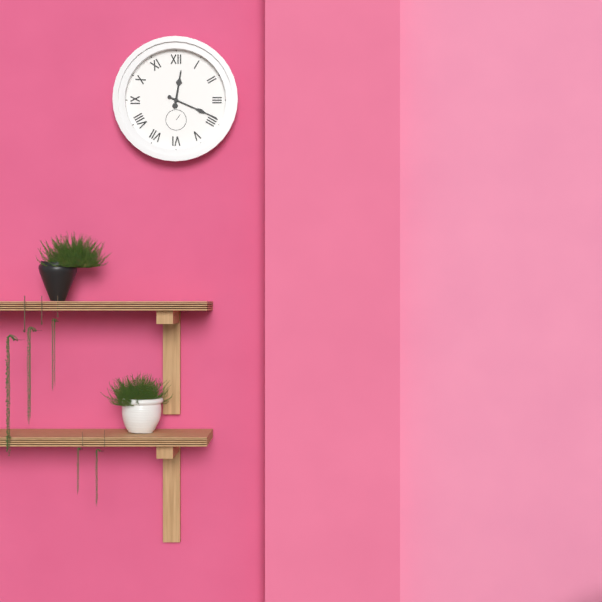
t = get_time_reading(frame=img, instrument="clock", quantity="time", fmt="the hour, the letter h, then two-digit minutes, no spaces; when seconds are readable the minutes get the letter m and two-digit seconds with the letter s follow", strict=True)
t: 12h19
